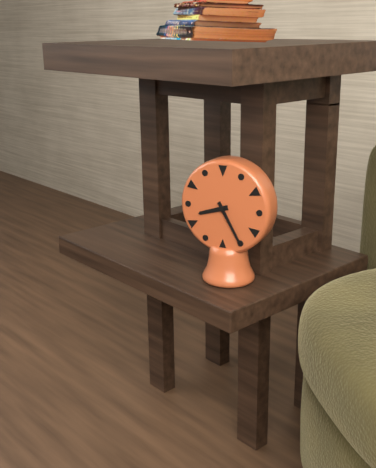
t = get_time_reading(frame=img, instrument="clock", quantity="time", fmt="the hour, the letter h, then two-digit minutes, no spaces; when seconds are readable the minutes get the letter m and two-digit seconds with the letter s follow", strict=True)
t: 8h25
